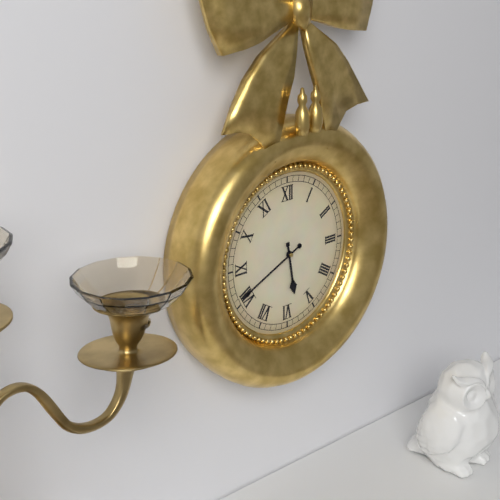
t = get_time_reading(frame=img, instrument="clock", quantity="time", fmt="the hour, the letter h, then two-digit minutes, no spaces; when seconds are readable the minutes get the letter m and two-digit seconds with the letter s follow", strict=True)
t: 5h41
